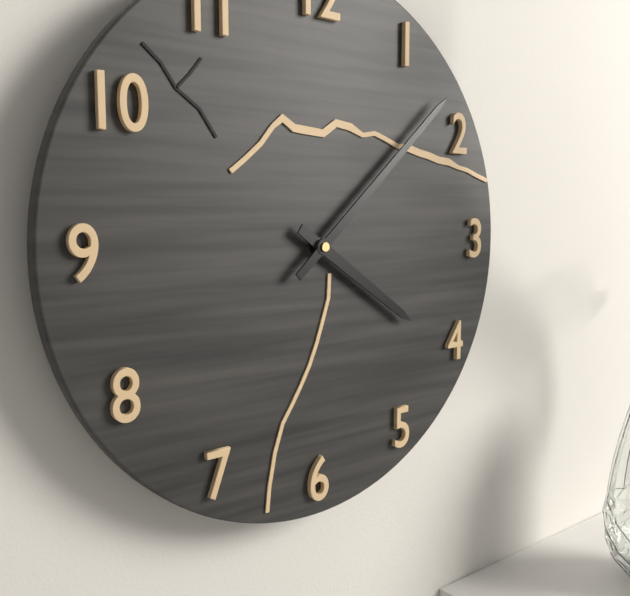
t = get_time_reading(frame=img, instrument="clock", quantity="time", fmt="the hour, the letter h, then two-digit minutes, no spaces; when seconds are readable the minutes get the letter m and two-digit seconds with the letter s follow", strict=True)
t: 4h08
